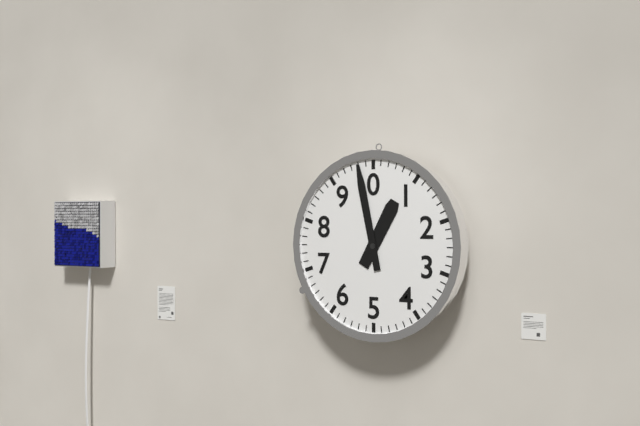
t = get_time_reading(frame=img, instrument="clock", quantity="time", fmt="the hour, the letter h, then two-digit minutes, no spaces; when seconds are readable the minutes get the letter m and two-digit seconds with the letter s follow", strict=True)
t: 12h58
